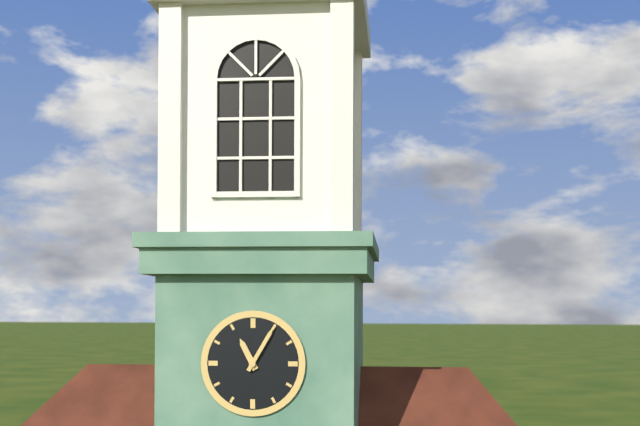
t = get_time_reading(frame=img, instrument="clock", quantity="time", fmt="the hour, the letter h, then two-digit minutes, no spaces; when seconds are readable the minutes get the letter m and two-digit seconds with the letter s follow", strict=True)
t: 11h05
